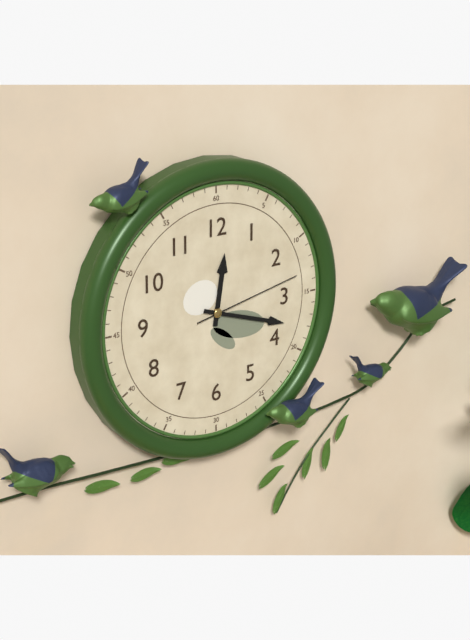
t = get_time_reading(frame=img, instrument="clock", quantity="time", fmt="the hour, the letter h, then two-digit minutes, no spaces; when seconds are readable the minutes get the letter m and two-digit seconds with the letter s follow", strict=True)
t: 12h18m13s
